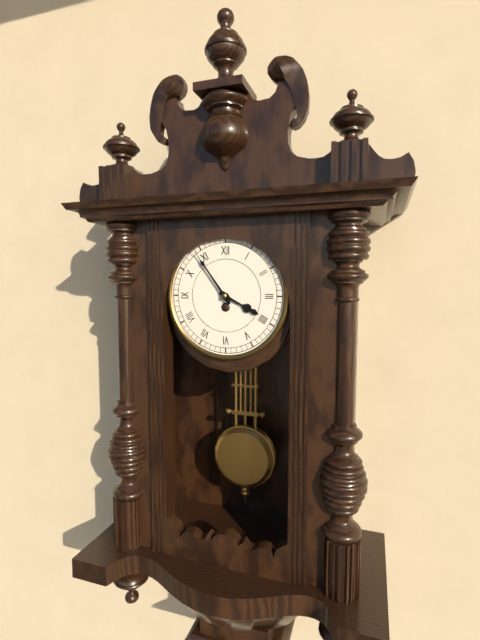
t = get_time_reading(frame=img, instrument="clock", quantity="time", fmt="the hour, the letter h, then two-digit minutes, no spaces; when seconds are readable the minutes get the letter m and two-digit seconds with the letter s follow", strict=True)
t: 3h54
